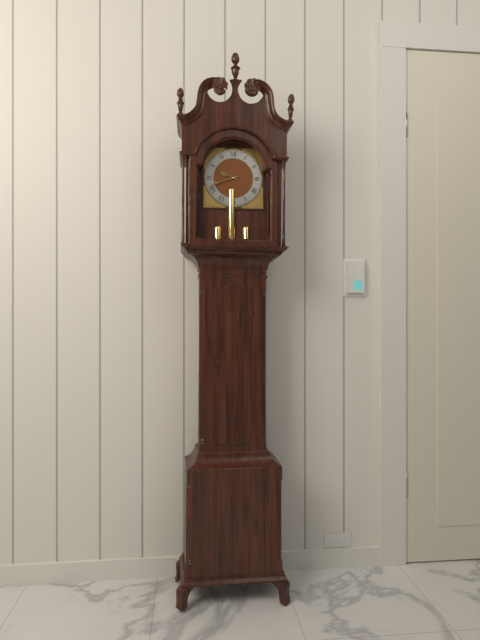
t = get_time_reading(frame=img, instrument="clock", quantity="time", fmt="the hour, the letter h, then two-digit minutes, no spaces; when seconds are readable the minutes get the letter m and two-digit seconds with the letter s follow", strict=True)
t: 9h42
